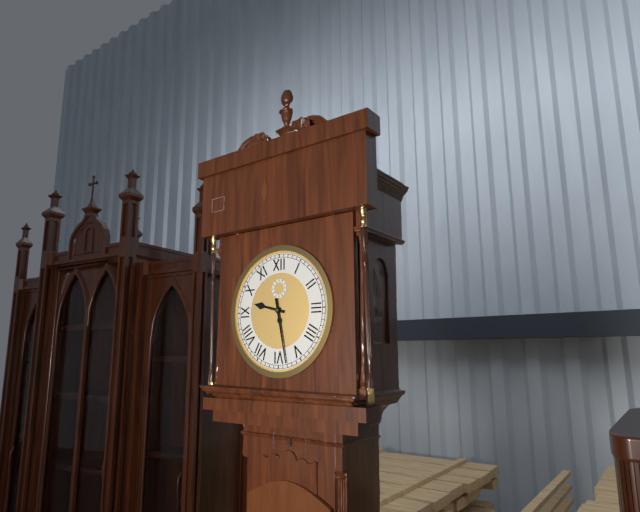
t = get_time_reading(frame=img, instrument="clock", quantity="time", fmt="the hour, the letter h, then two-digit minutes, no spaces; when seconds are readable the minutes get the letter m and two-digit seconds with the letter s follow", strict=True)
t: 9h28
